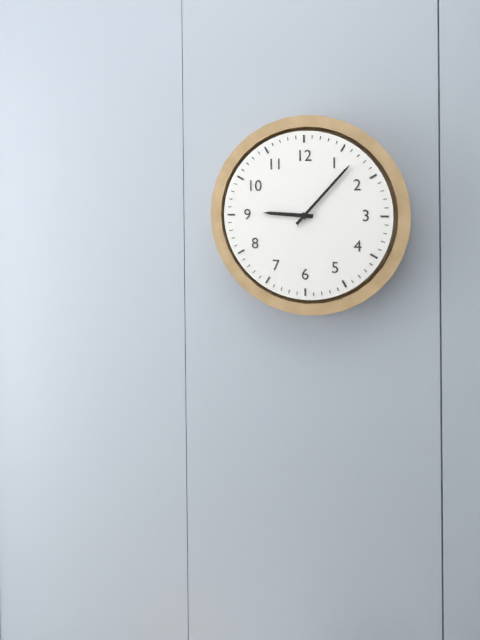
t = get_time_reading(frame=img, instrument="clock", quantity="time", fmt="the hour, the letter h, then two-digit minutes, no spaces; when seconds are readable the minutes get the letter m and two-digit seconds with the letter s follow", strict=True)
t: 9h07
